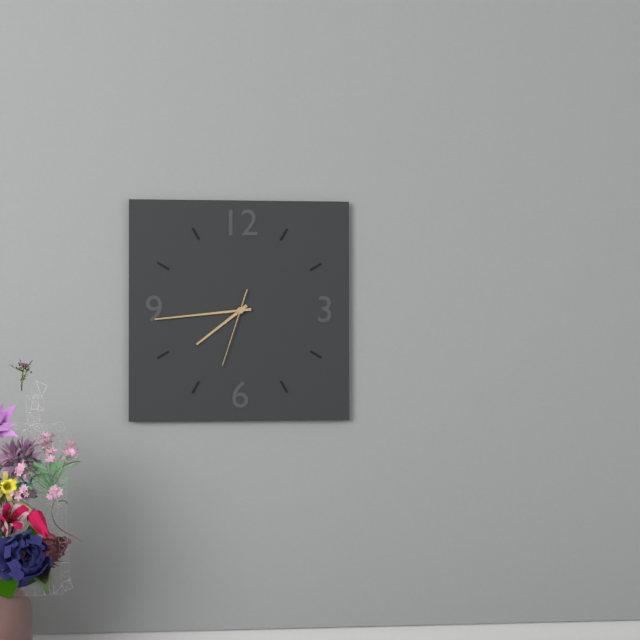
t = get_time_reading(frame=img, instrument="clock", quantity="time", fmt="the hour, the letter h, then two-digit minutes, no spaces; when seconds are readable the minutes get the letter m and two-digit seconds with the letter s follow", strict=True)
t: 7h44m33s
